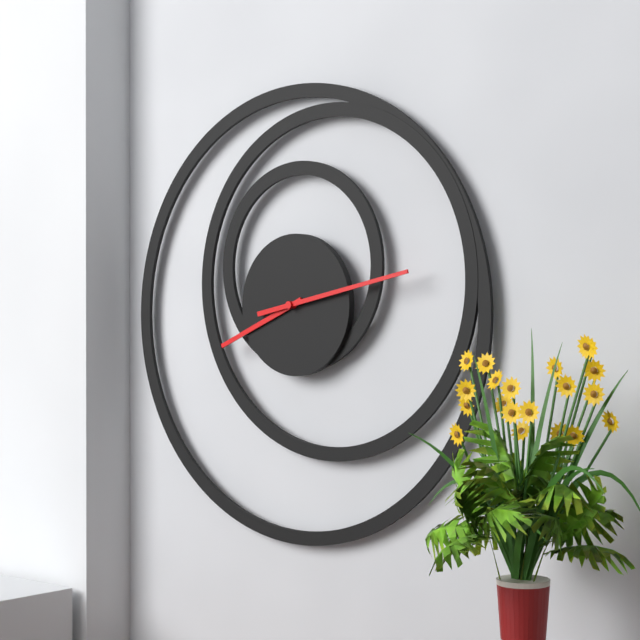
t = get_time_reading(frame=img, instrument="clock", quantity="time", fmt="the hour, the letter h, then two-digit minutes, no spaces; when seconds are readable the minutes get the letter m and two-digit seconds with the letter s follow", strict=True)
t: 8h13
